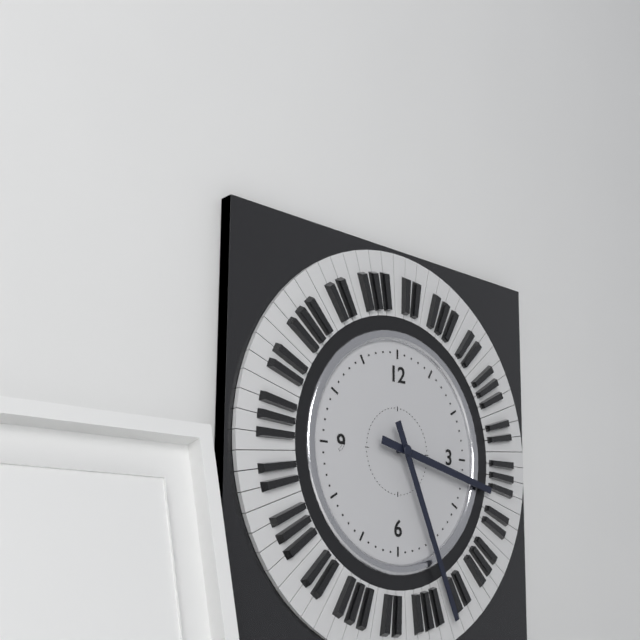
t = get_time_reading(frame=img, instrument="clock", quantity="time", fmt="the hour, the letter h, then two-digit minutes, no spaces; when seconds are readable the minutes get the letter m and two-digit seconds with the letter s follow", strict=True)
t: 3h26
